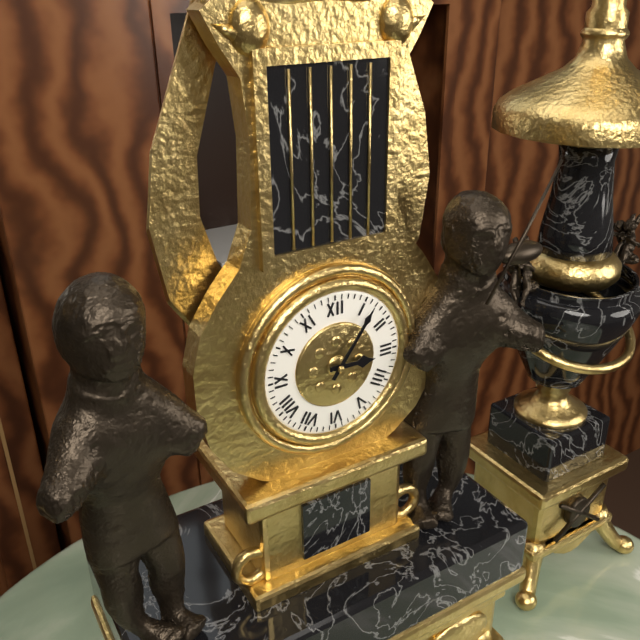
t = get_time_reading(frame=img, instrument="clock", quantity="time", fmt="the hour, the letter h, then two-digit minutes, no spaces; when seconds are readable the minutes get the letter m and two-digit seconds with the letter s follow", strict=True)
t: 3h06
